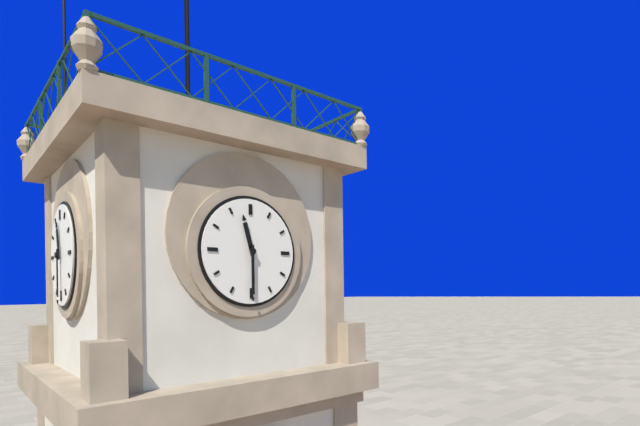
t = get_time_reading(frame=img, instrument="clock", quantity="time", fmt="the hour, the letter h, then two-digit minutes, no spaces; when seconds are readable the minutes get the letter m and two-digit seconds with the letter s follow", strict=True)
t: 11h30
